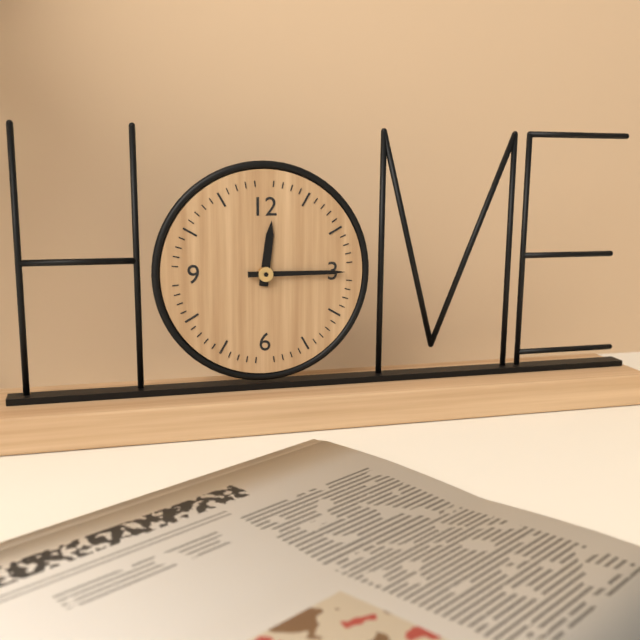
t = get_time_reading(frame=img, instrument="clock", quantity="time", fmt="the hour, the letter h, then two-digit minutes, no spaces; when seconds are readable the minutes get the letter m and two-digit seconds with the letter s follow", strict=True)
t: 12h15
